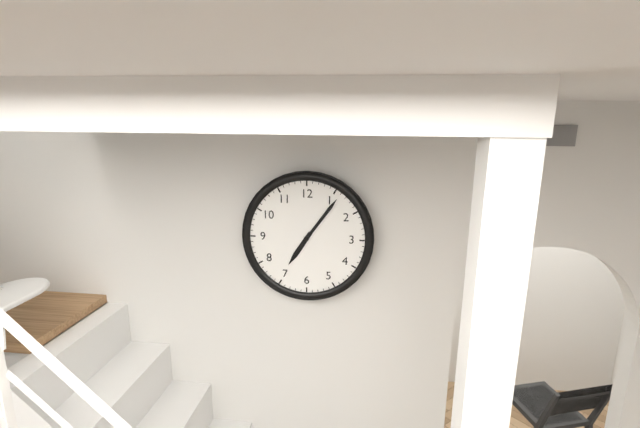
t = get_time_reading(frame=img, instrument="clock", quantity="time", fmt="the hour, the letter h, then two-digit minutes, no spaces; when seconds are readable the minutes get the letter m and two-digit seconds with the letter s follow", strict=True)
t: 7h06
